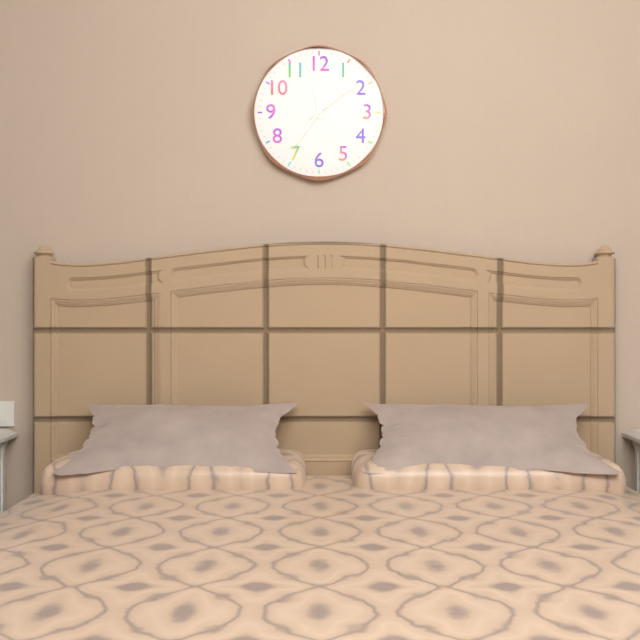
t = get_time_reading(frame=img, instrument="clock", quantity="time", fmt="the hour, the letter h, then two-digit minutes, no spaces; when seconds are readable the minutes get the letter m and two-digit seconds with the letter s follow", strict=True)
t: 11h36m09s
